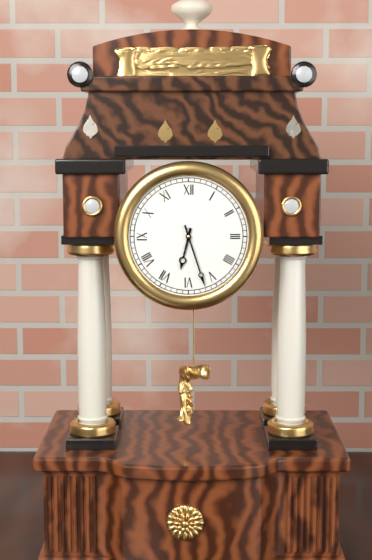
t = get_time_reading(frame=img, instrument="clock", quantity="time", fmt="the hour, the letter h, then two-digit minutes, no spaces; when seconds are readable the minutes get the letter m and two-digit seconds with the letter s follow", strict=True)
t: 6h27
